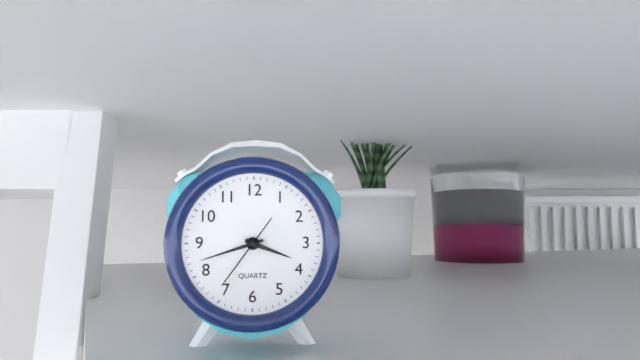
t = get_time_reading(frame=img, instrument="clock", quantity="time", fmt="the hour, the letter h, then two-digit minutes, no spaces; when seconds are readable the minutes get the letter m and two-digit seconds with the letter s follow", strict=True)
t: 3h42m36s
